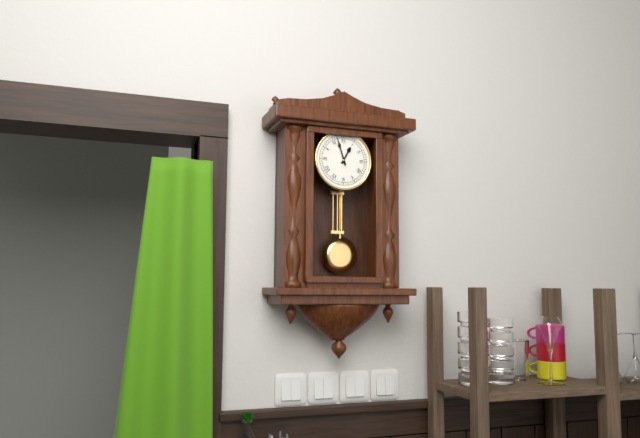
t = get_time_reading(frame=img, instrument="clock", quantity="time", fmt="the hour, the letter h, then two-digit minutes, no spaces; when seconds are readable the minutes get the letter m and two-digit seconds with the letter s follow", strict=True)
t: 12h57
